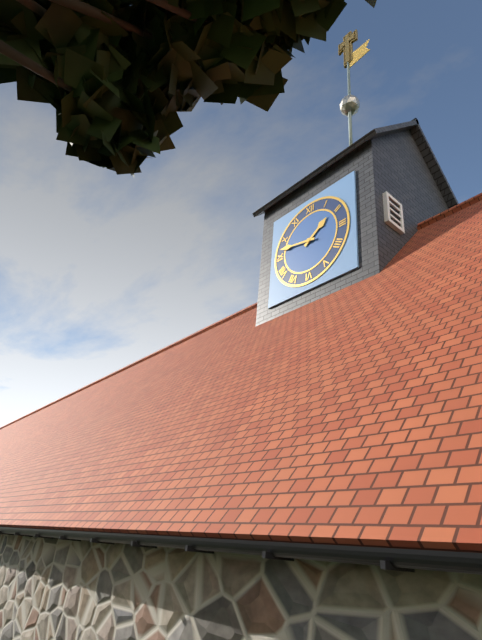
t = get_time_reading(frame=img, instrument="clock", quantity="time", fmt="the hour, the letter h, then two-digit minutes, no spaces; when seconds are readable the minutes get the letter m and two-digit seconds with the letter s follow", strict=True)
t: 1h47
